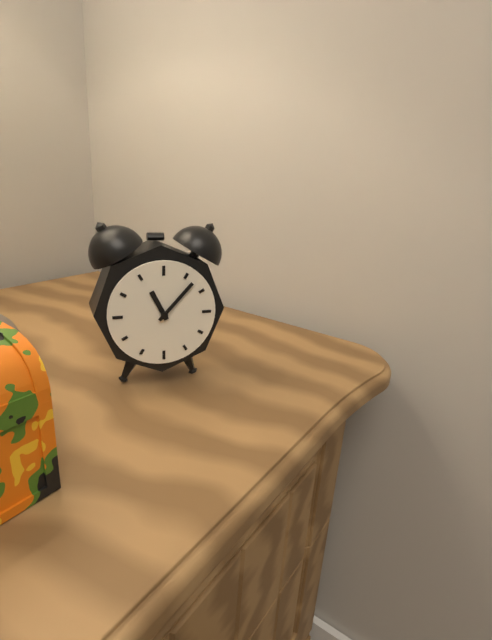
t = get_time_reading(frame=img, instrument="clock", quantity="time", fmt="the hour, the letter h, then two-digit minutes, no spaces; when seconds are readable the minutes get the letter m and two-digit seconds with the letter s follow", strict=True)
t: 11h07
